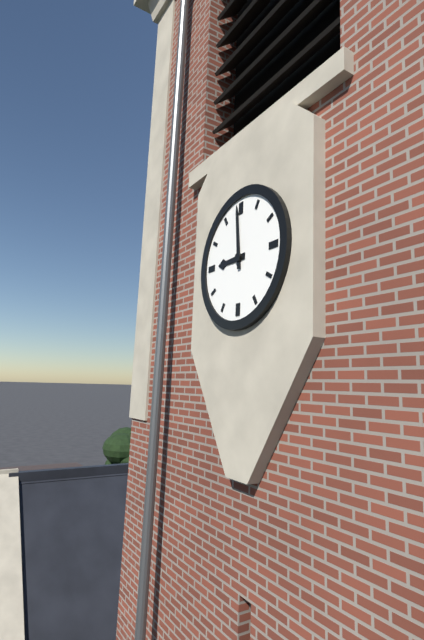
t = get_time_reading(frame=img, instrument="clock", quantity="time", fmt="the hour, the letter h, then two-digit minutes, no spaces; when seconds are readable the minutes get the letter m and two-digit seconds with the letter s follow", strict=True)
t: 8h59
